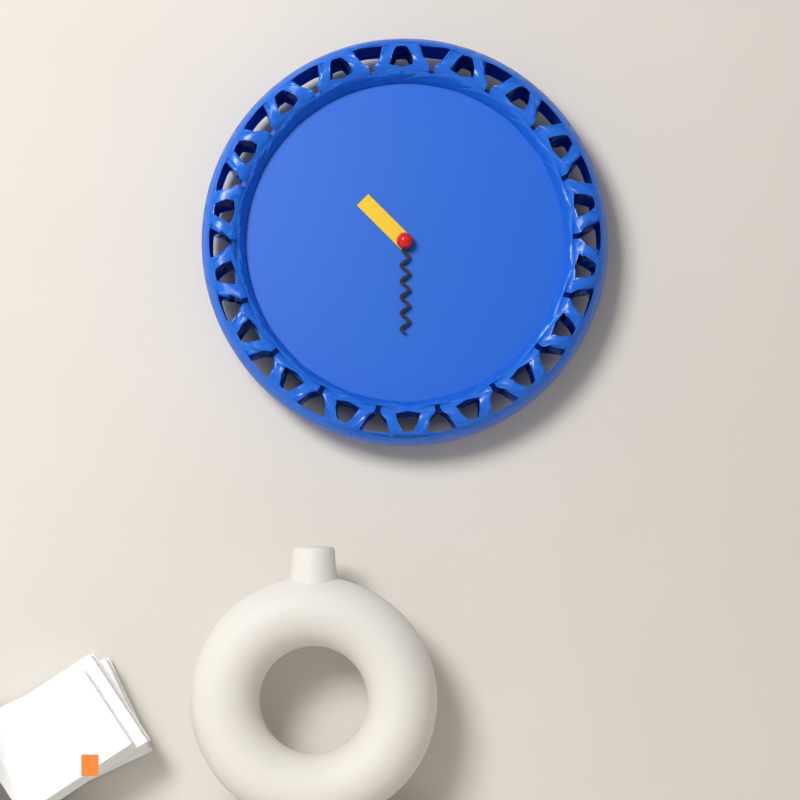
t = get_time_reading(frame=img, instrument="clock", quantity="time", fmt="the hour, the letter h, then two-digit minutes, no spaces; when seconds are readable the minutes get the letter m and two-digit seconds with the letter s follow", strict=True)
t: 10h30
